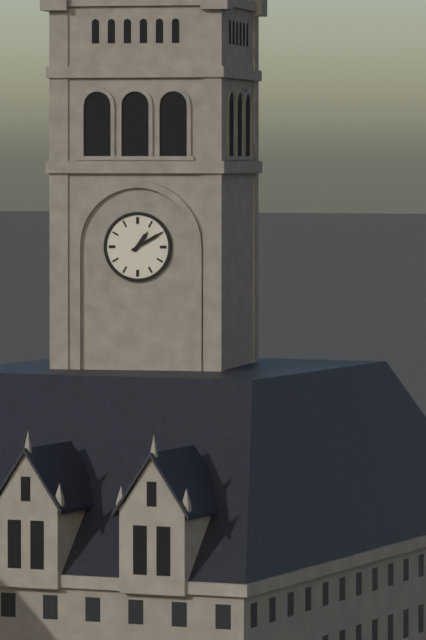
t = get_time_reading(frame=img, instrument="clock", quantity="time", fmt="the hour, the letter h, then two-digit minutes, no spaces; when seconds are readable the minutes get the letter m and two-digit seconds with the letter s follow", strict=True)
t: 1h10
